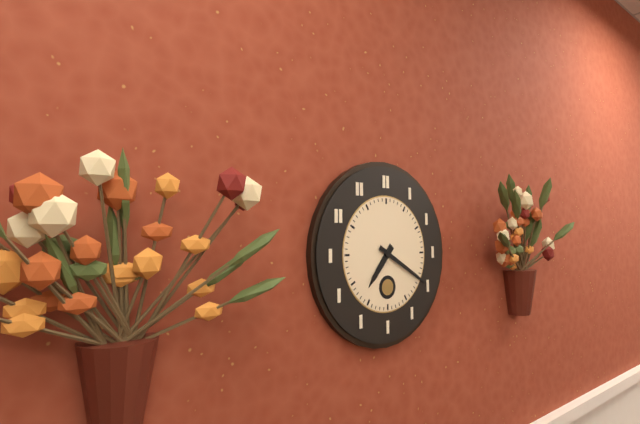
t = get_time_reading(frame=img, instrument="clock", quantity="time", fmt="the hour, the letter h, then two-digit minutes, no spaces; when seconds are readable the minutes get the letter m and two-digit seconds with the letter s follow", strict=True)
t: 7h20
